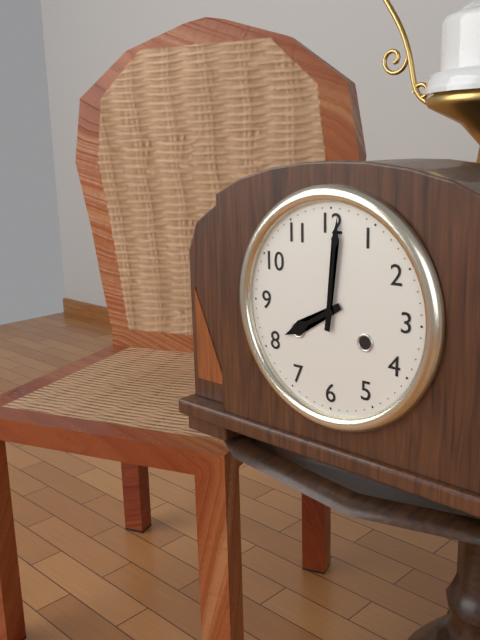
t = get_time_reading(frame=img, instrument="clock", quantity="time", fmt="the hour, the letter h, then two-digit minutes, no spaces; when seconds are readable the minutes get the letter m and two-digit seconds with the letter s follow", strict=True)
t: 8h01
